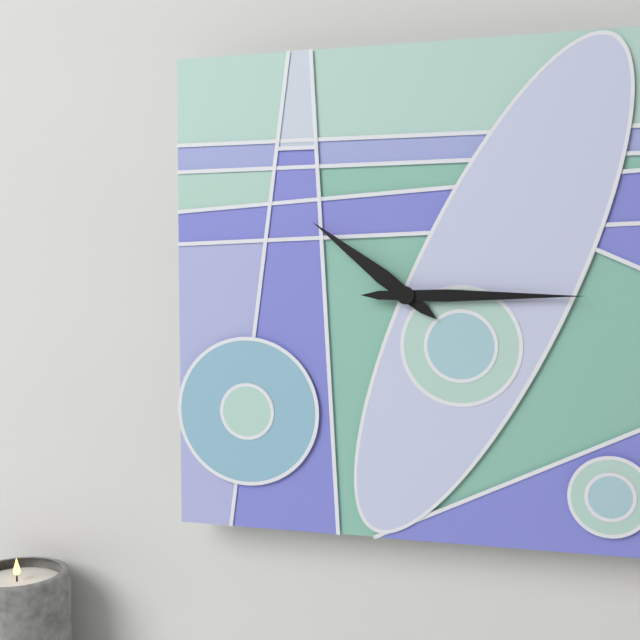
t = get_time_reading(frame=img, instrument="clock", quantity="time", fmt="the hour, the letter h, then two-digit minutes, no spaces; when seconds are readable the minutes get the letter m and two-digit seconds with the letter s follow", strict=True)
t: 10h15
